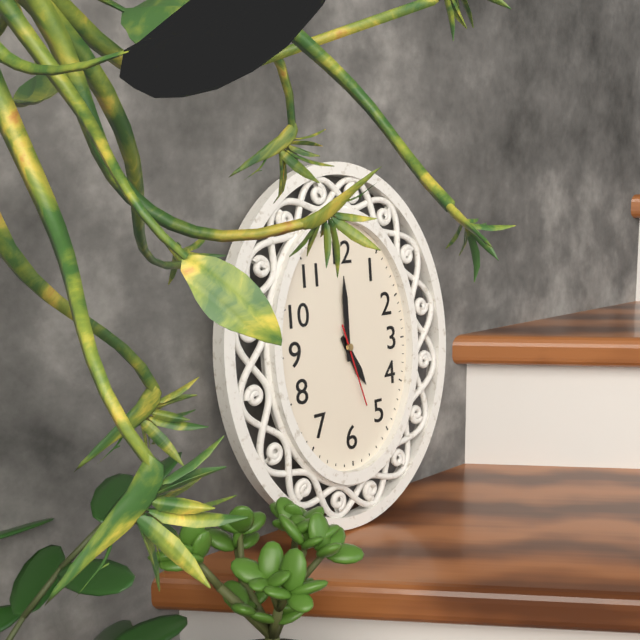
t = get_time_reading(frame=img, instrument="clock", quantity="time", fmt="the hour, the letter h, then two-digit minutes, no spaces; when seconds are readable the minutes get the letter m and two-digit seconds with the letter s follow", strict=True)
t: 5h00m27s
